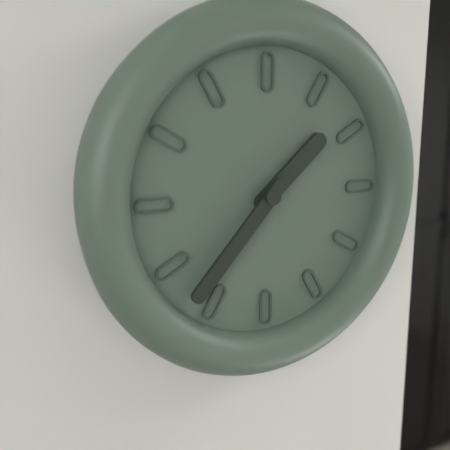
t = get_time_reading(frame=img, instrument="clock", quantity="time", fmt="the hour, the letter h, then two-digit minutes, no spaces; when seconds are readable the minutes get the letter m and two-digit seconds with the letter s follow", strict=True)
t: 1h37
